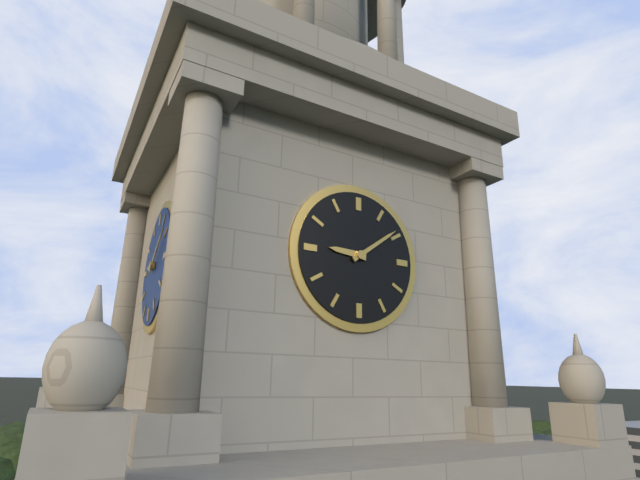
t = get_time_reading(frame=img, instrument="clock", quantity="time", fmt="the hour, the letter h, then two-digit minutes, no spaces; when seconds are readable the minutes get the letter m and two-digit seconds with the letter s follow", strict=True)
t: 9h09
